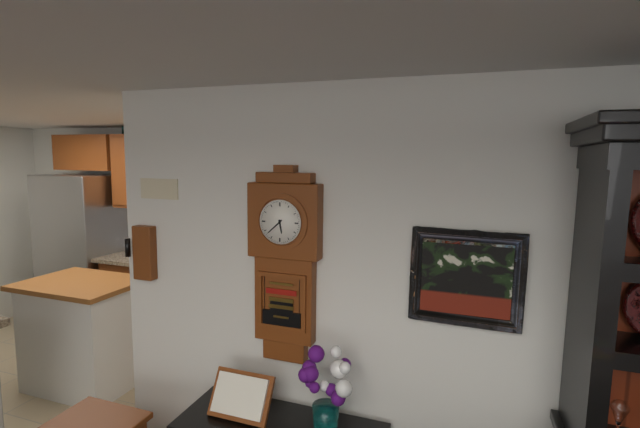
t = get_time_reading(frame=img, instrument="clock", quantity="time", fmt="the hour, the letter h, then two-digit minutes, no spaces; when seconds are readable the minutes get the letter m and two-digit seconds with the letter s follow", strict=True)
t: 5h38
